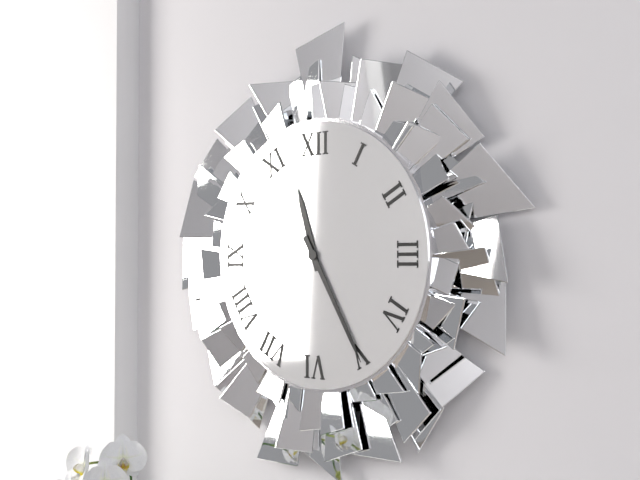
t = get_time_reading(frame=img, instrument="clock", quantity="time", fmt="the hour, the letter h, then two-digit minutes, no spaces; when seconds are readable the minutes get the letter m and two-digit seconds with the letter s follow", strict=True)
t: 11h25
